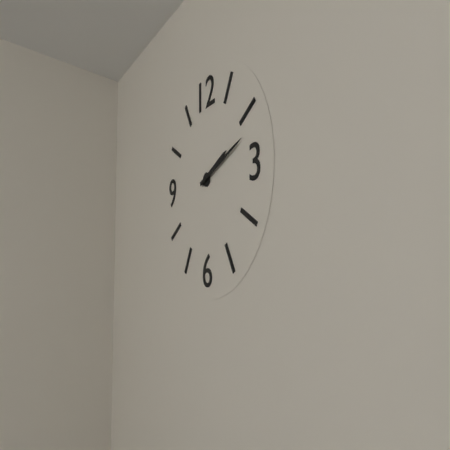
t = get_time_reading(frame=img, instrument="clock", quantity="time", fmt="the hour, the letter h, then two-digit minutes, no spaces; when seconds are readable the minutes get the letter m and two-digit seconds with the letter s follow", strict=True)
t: 2h12
